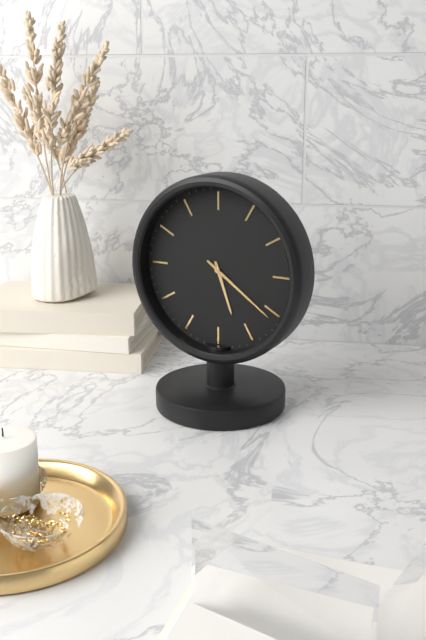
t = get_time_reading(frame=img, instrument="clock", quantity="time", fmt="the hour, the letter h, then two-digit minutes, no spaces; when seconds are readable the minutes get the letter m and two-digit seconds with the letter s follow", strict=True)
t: 5h21
